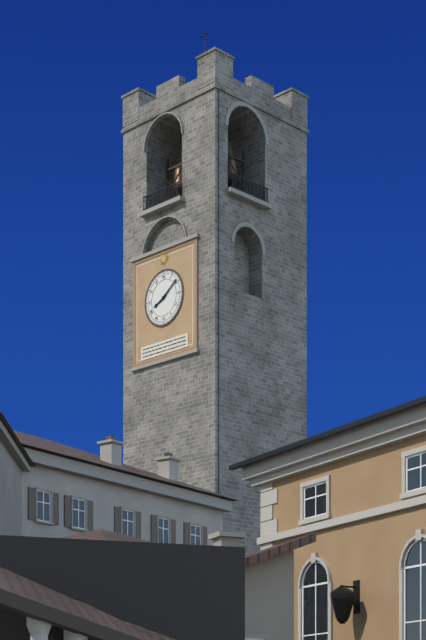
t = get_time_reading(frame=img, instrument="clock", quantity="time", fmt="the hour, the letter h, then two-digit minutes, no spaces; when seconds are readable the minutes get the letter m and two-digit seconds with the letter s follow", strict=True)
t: 8h09
